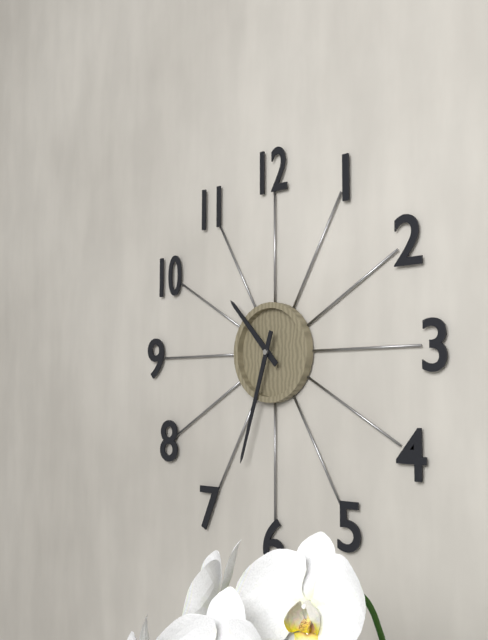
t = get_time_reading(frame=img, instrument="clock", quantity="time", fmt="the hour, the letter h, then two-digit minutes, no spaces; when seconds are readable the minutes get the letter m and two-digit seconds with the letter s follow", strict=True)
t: 10h33
